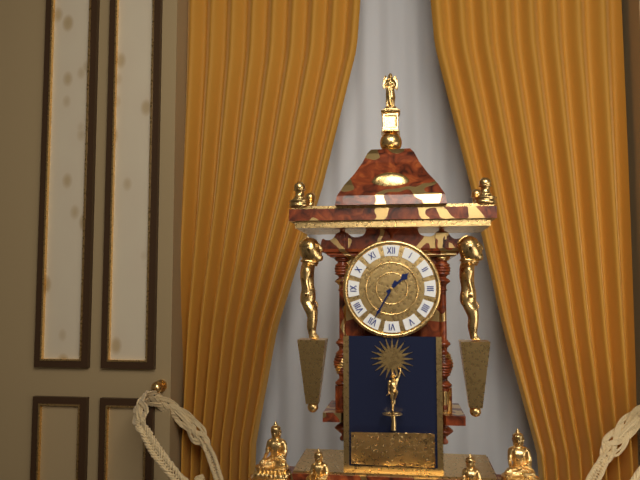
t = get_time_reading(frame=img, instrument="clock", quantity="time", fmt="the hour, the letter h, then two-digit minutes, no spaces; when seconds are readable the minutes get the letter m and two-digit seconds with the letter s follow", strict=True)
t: 1h35
